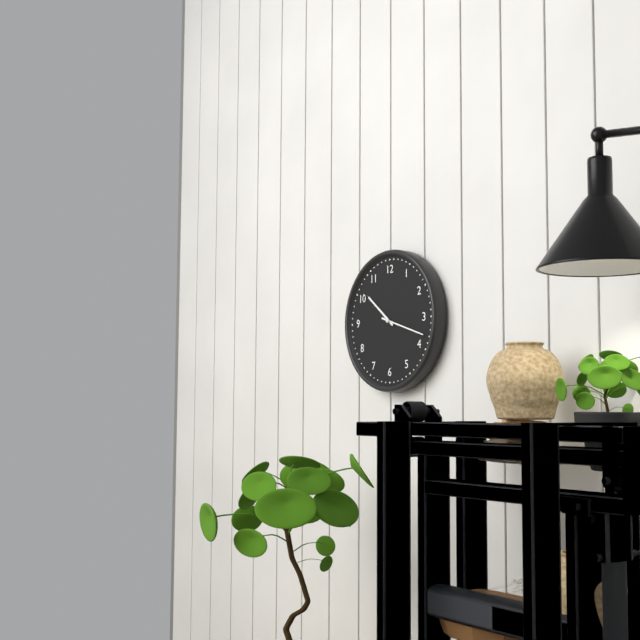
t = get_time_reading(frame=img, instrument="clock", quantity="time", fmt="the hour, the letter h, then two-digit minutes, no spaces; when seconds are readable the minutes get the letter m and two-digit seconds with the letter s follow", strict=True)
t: 10h18
